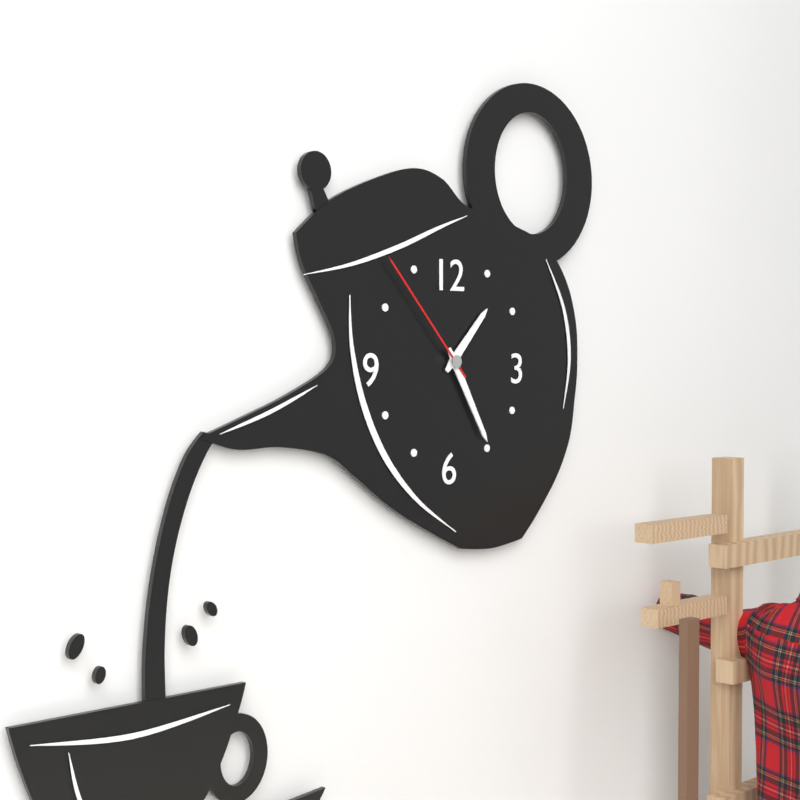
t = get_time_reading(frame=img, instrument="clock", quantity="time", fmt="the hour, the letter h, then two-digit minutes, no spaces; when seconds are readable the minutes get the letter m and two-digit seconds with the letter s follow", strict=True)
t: 1h25m53s
